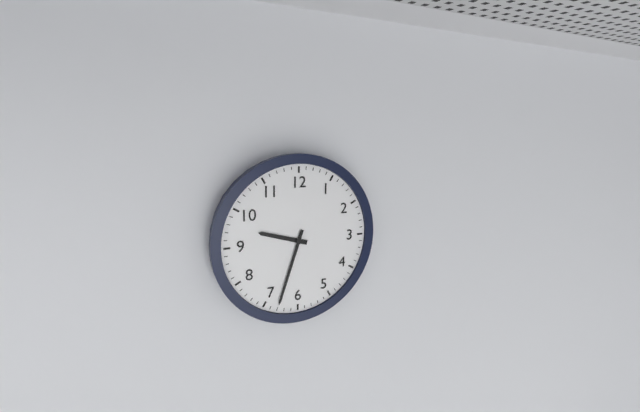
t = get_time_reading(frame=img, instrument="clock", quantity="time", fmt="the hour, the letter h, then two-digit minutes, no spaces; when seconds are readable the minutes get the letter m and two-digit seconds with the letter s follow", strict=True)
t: 9h33
